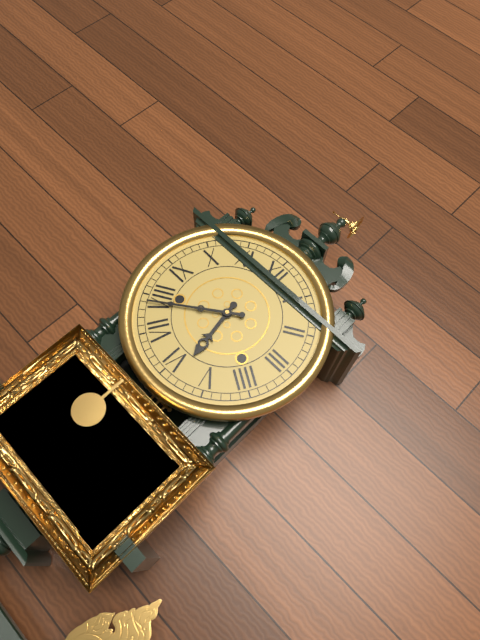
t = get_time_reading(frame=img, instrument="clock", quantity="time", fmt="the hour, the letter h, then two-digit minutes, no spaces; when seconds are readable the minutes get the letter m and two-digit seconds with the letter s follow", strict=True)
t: 5h39
